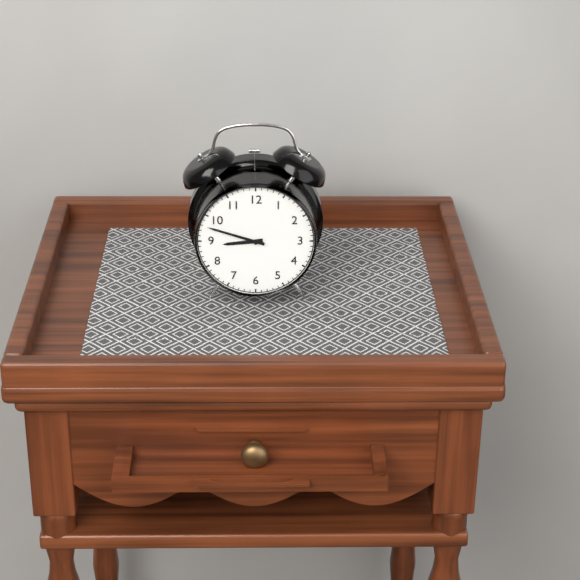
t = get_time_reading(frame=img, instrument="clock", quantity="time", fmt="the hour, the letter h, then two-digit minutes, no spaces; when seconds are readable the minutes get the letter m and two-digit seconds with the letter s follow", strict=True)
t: 8h48
